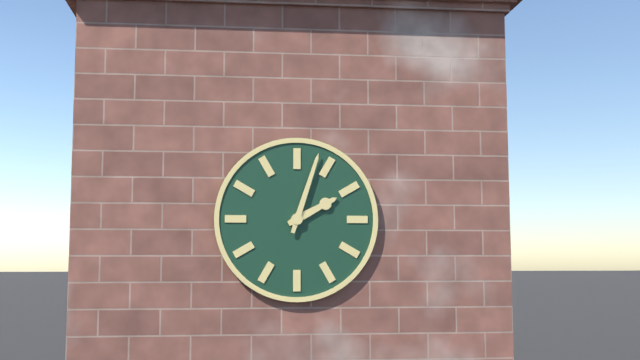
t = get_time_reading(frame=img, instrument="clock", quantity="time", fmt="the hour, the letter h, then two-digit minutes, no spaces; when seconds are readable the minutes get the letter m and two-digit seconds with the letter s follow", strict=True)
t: 2h03
